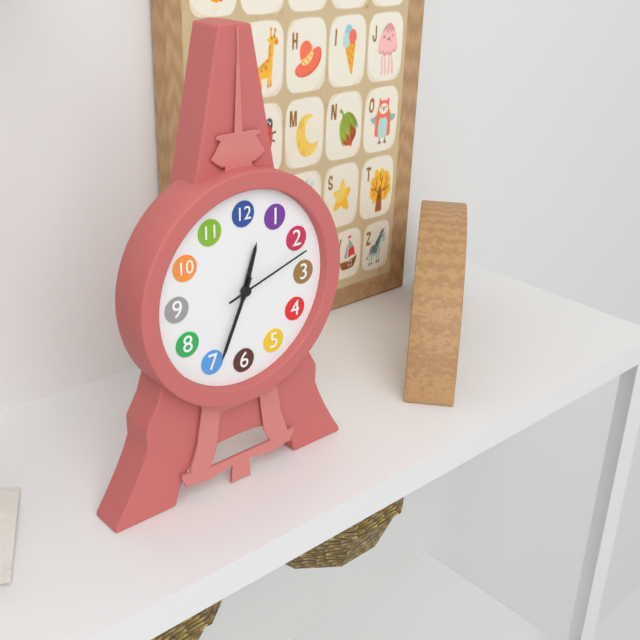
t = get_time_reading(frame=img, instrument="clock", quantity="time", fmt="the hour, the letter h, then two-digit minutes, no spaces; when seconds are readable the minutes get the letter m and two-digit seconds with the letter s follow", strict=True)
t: 12h34m12s
